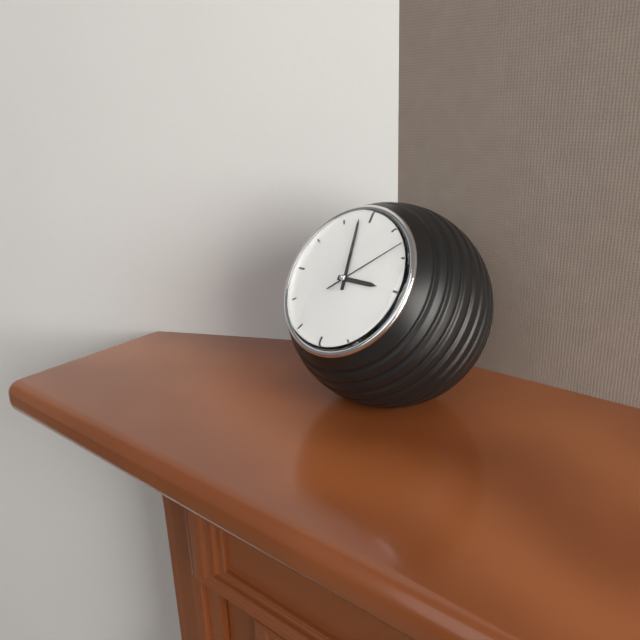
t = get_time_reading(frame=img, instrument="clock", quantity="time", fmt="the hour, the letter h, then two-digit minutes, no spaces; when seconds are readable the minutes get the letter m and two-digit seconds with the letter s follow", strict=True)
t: 2h58m08s
